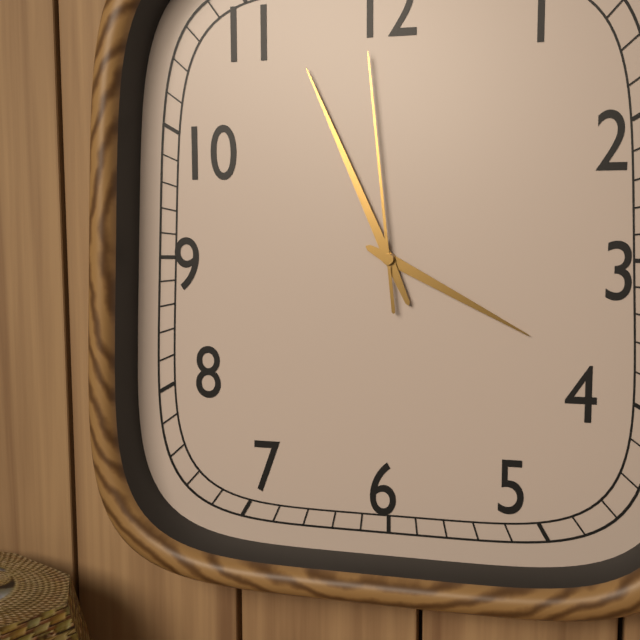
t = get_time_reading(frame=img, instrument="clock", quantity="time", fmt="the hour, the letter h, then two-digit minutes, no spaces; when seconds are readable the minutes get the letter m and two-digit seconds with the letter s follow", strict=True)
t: 3h56m59s
